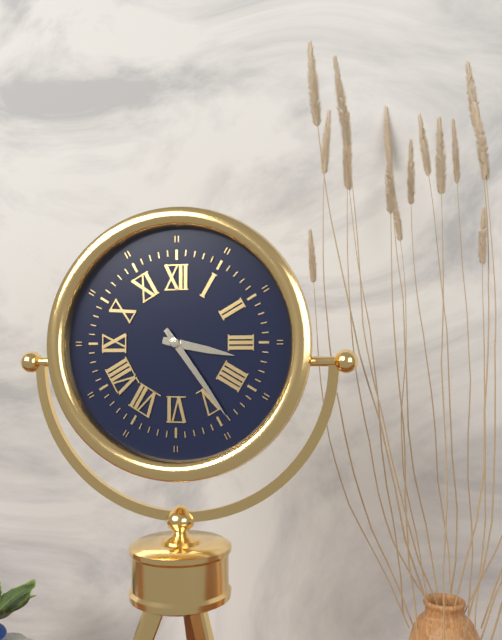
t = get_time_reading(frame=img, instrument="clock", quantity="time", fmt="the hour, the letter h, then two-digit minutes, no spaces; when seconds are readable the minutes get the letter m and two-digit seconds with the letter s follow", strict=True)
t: 3h24
